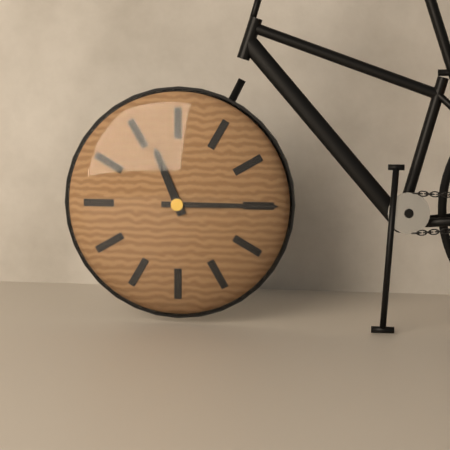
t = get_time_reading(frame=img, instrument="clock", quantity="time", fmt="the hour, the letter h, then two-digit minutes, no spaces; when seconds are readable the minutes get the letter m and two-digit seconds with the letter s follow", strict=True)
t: 11h15
